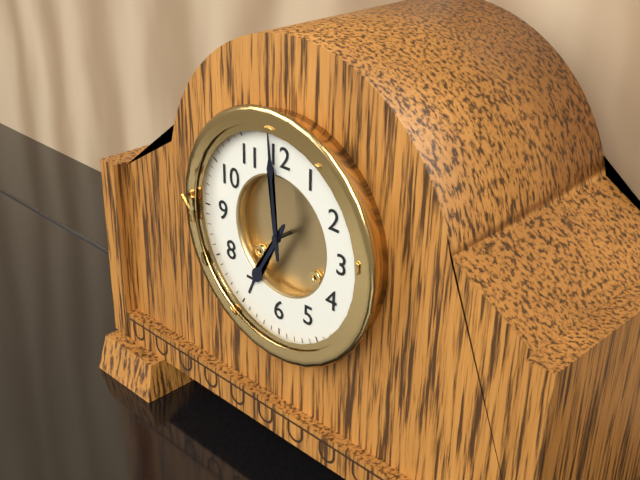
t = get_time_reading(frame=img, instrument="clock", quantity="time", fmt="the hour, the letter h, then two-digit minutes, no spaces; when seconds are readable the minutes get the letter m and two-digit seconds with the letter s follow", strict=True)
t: 6h59
